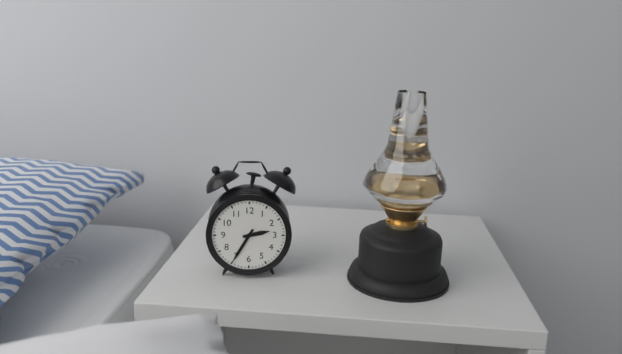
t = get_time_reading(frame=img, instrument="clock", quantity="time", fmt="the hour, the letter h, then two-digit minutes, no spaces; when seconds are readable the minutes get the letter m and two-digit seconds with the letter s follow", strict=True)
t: 2h35
